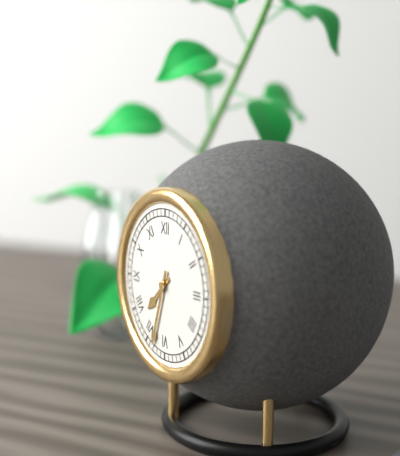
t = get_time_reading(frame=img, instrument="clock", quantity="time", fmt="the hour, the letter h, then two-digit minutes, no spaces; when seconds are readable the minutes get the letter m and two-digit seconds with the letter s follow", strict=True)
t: 7h33
